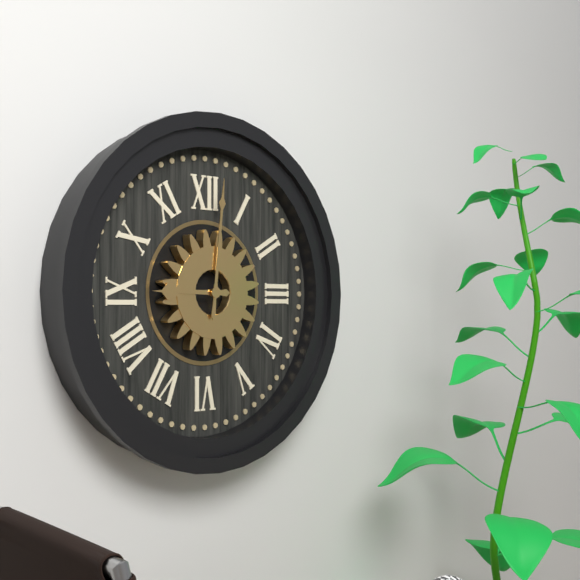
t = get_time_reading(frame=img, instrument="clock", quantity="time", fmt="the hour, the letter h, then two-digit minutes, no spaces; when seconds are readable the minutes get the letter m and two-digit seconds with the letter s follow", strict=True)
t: 9h01
